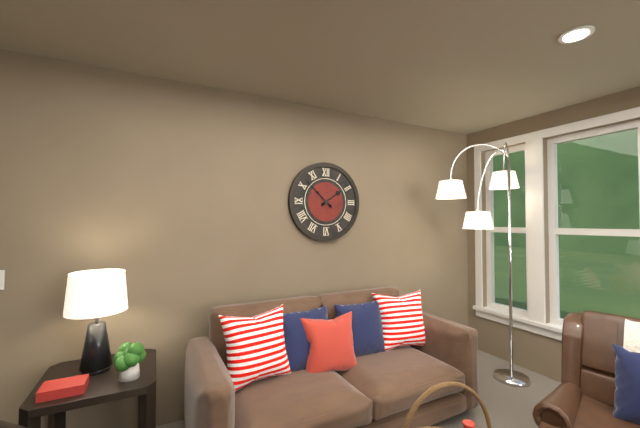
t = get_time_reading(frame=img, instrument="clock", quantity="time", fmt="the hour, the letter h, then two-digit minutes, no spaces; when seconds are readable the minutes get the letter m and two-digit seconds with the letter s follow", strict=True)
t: 1h52
